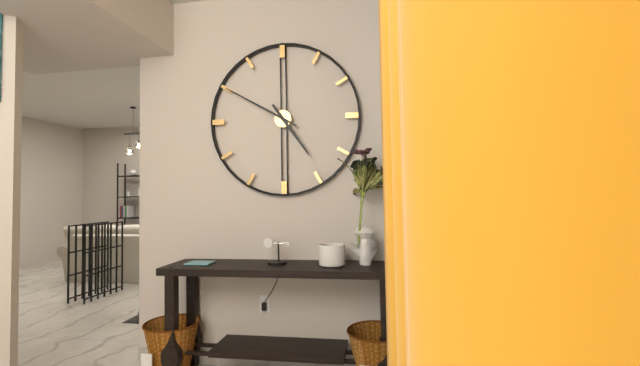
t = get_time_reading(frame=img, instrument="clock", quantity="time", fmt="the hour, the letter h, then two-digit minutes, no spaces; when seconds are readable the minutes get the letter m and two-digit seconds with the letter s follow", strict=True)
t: 4h50
